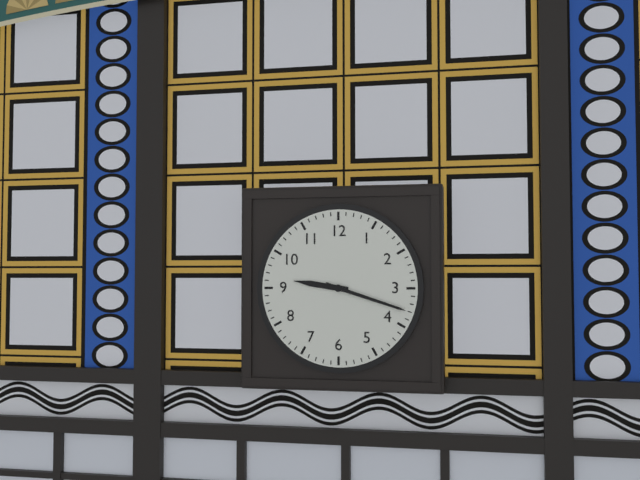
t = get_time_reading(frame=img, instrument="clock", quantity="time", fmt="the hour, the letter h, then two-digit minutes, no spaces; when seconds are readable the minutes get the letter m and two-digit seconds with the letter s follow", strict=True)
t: 9h18
